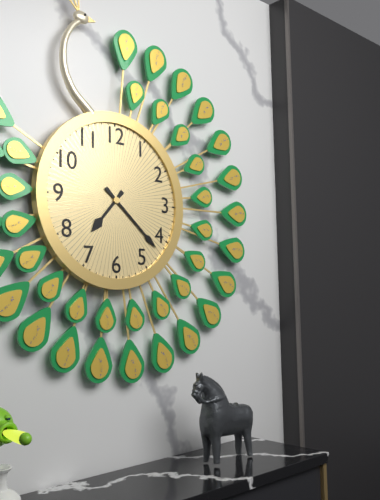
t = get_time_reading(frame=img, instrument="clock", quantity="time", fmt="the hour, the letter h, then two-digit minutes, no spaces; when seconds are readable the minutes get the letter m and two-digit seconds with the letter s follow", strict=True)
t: 7h22
